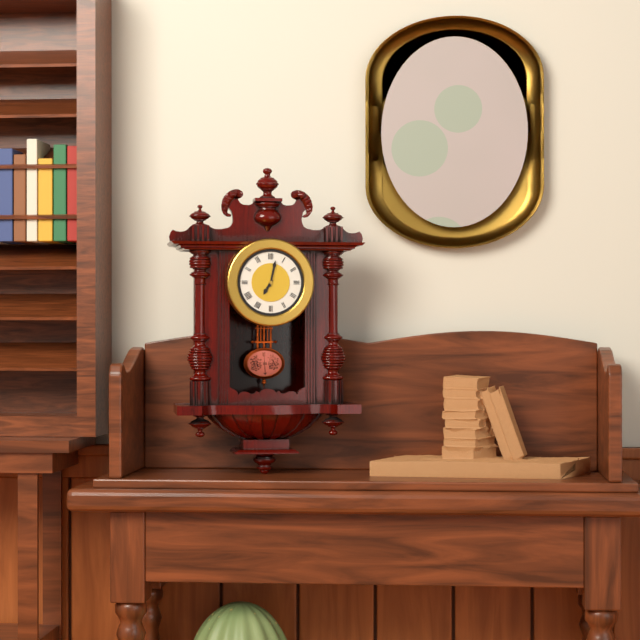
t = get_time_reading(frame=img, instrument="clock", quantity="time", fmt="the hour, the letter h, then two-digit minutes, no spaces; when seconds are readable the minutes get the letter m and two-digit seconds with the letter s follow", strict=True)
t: 7h02
